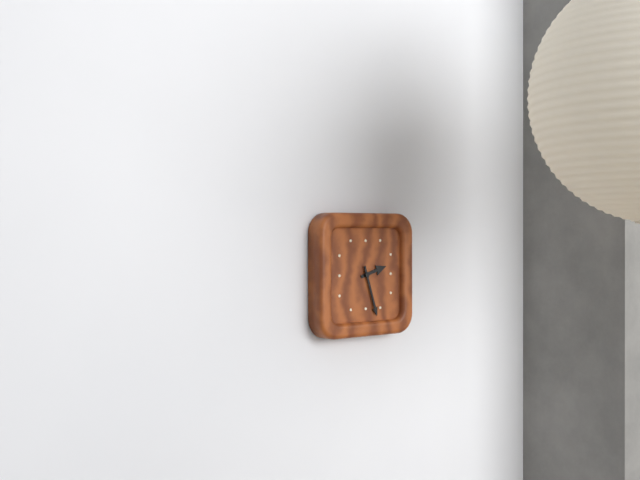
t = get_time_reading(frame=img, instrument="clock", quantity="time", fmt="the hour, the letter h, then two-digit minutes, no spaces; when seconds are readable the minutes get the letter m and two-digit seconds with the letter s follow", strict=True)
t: 2h27
